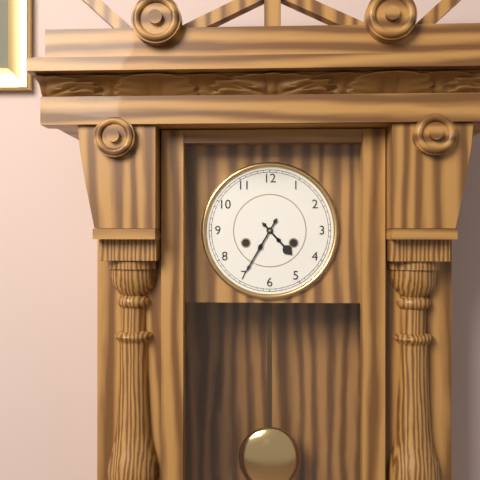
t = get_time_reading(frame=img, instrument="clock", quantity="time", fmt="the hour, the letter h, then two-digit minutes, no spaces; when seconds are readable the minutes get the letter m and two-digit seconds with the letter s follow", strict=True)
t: 4h35
